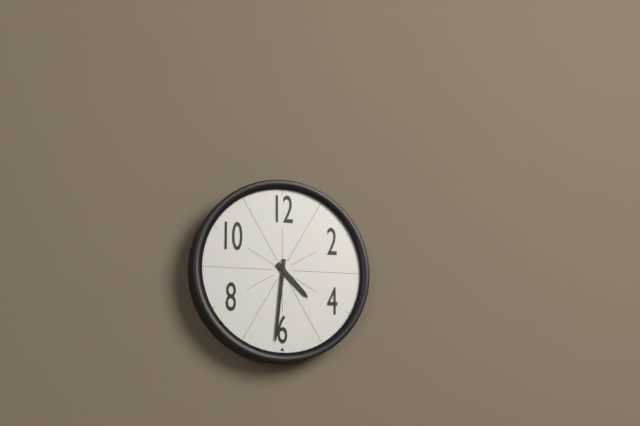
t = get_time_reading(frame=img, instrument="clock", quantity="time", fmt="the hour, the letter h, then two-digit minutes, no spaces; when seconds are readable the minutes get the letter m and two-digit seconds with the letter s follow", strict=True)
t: 4h31
